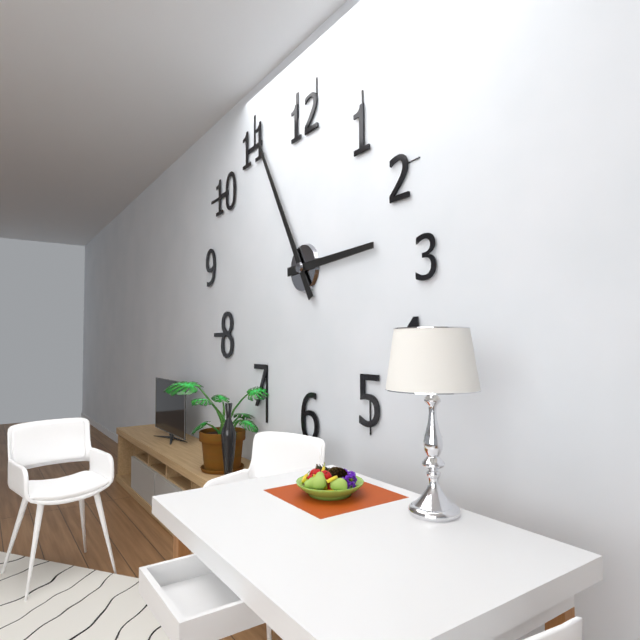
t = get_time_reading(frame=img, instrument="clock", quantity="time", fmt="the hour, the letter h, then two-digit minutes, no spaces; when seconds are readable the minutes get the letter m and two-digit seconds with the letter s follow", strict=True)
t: 2h55
